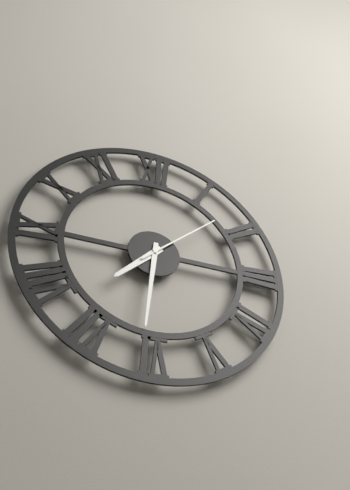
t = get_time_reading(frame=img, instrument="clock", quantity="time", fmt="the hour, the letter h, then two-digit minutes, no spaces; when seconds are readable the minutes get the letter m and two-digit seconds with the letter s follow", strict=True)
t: 7h31m08s
